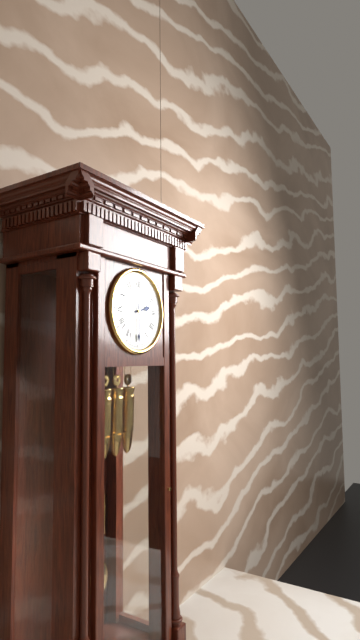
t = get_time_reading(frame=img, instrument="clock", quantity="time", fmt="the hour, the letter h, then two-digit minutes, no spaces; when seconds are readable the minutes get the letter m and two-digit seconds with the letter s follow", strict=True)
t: 2h30
